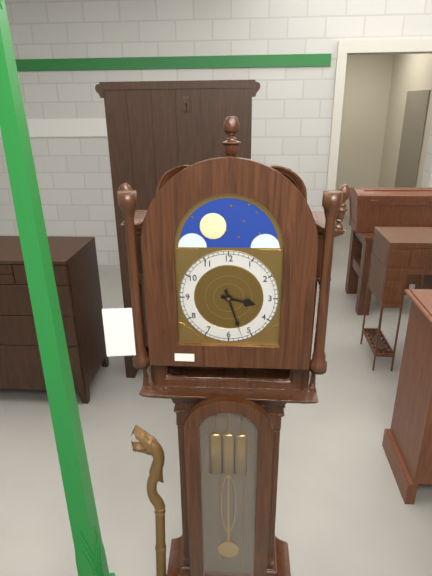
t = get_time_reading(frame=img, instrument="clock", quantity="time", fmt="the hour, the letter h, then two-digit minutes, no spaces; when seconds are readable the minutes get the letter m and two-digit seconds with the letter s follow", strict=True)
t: 3h27
